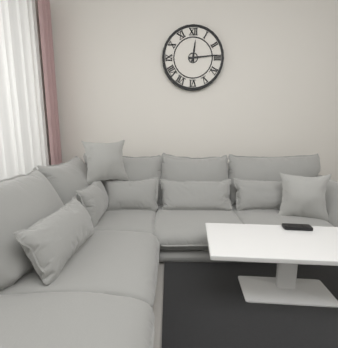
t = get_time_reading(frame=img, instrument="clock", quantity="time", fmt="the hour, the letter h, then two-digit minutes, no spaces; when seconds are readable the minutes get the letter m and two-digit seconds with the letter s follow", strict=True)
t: 12h14
